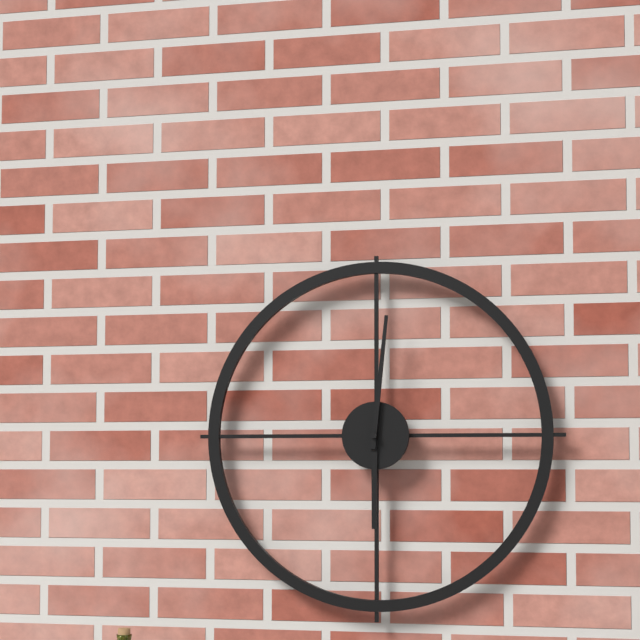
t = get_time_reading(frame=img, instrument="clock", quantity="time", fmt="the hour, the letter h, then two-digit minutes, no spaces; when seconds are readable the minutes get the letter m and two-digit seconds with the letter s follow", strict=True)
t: 6h01
